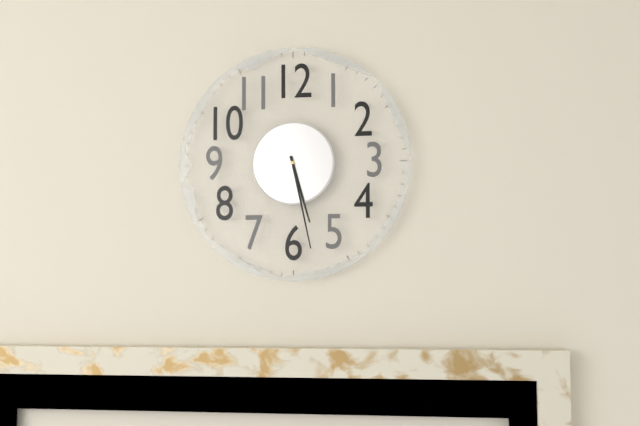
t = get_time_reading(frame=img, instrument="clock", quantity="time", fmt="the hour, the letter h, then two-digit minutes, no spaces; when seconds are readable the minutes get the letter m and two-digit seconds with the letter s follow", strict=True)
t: 5h28
